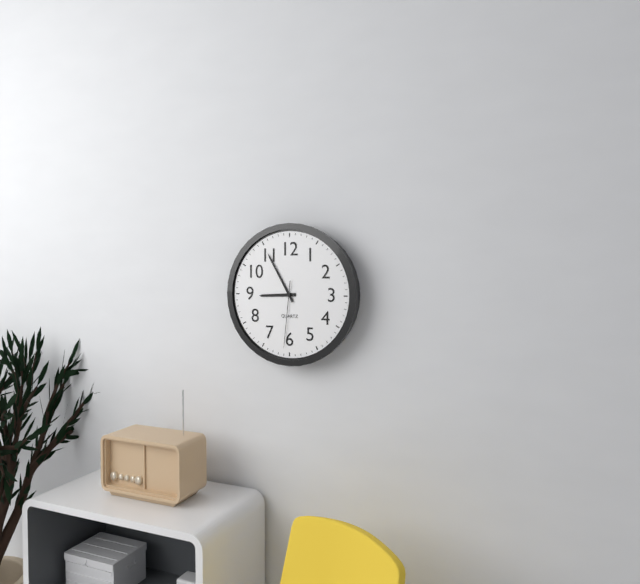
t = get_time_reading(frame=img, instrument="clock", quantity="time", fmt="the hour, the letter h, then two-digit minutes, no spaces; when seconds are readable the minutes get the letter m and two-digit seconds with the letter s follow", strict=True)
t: 8h55m31s
